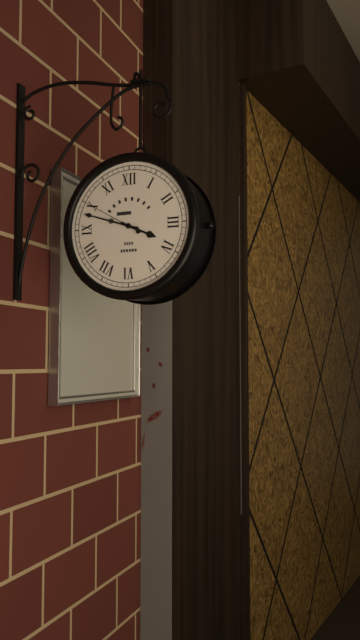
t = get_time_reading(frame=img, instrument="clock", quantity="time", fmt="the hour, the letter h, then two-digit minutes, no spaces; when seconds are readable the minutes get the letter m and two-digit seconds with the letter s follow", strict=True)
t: 3h48m50s
